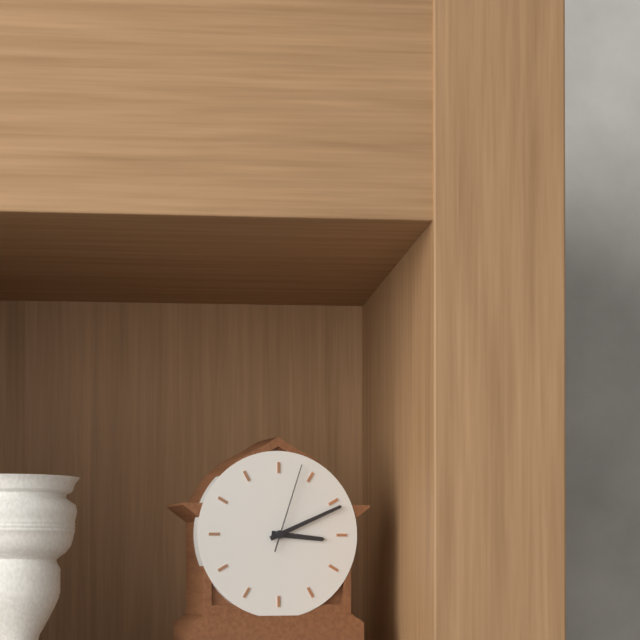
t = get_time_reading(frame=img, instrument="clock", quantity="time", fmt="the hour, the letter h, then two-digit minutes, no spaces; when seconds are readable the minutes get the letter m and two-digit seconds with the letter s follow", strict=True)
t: 3h11m03s
